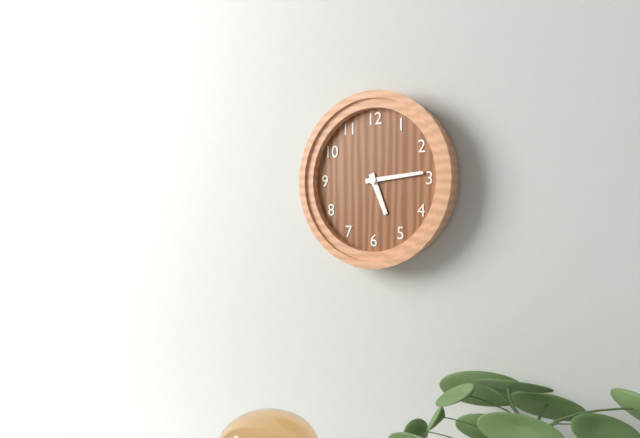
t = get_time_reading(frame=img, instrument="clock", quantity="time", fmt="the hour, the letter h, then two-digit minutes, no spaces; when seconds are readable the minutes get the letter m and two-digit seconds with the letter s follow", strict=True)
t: 5h14
